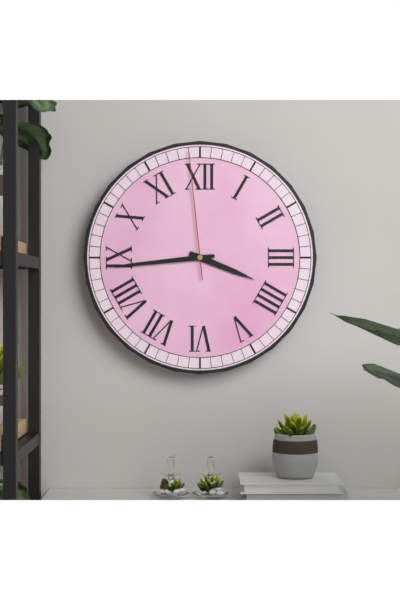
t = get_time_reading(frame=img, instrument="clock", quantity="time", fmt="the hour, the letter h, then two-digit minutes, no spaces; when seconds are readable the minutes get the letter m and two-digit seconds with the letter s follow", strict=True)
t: 3h44m59s
